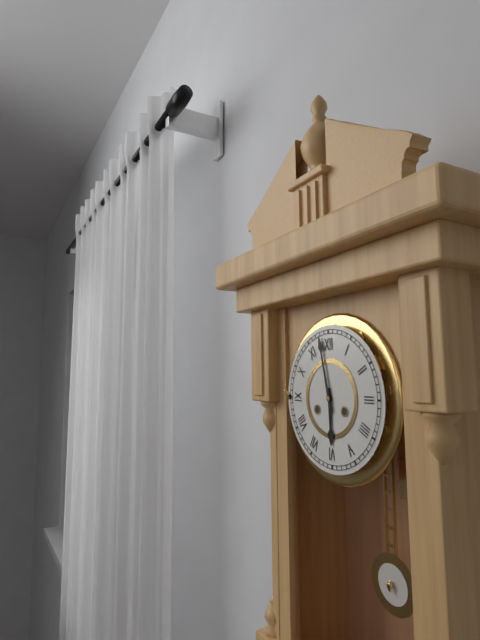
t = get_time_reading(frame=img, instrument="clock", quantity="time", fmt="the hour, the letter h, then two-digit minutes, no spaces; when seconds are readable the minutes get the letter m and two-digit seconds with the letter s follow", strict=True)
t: 5h58
